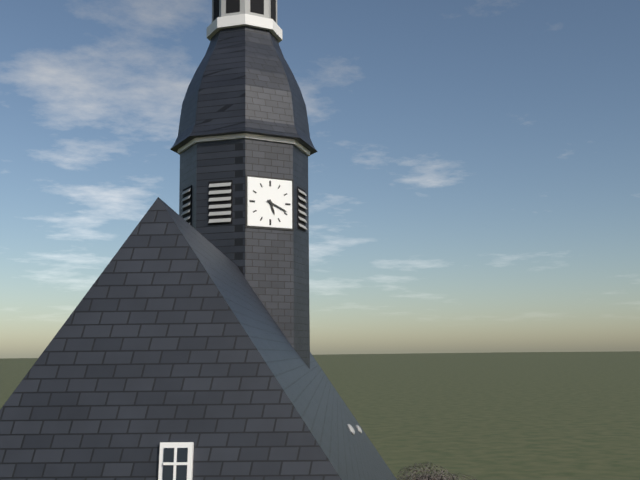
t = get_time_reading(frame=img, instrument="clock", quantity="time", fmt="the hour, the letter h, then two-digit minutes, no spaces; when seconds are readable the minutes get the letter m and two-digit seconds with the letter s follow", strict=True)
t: 5h19
